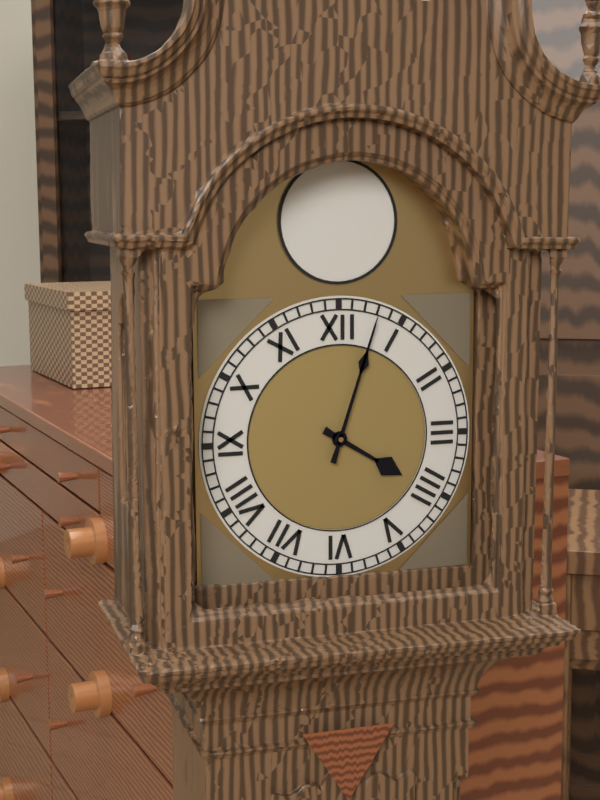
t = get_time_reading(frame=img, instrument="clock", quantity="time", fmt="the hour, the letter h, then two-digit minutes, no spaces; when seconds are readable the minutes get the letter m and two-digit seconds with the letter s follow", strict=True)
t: 4h03
